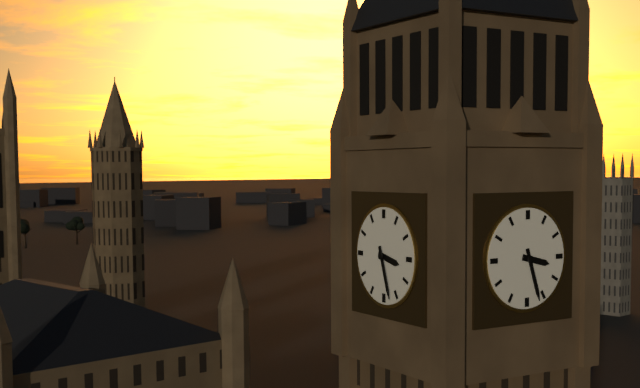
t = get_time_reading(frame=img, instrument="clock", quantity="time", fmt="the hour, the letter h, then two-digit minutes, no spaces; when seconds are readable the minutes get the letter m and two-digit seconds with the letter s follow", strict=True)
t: 3h27
